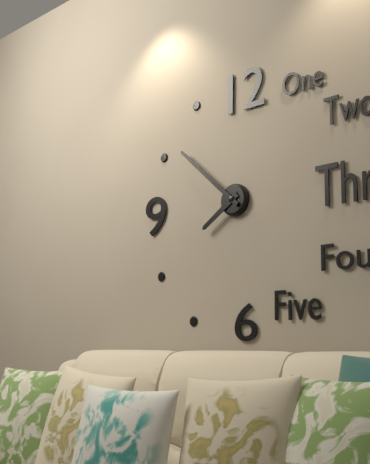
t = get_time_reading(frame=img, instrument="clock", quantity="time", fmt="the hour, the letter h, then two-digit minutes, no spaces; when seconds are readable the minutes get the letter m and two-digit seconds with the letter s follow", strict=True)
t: 7h52
